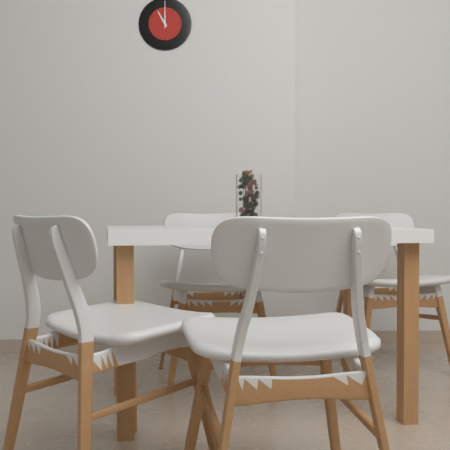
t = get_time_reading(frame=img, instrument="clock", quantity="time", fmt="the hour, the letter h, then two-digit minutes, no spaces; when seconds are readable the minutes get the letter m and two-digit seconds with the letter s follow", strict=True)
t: 11h00
